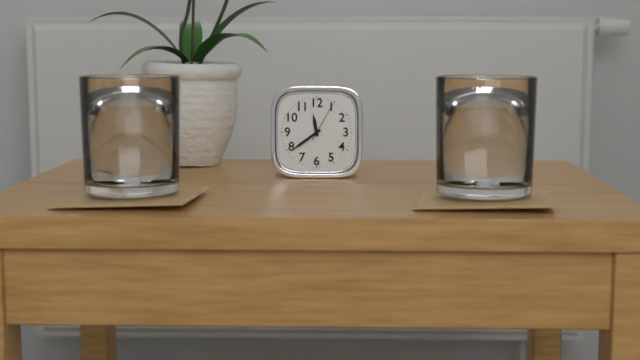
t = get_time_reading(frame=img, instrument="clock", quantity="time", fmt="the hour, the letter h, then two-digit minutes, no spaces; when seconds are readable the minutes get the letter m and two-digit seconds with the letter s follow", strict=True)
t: 11h39
